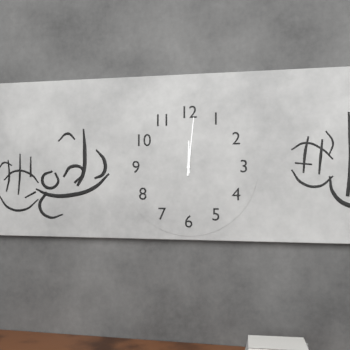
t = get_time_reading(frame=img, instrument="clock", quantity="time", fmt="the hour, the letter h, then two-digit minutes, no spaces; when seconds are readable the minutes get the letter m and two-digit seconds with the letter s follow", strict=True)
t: 12h01
